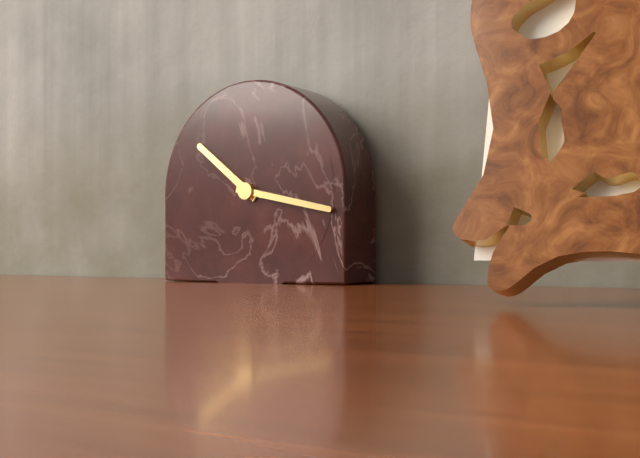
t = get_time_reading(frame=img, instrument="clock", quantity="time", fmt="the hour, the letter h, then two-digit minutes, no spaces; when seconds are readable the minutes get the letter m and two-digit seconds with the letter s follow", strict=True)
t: 10h17
